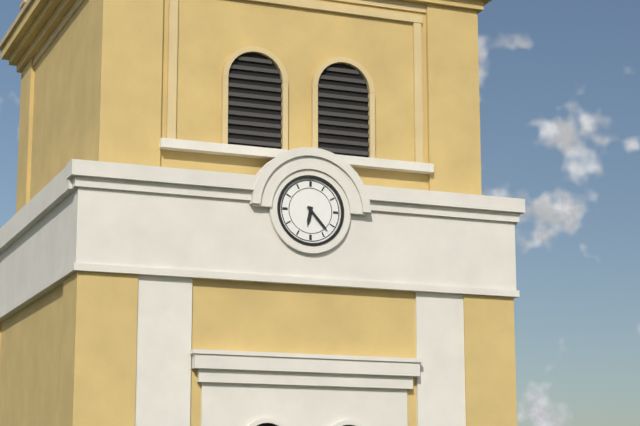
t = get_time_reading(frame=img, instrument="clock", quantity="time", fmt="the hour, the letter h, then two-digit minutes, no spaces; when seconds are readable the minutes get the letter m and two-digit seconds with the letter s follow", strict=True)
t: 6h23
